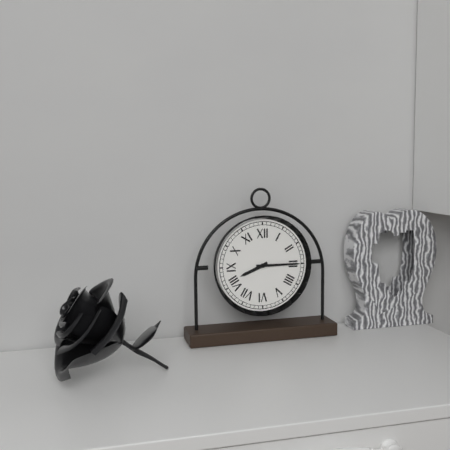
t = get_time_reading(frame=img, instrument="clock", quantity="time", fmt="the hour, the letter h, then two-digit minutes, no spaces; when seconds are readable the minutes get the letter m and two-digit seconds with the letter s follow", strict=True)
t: 8h15
